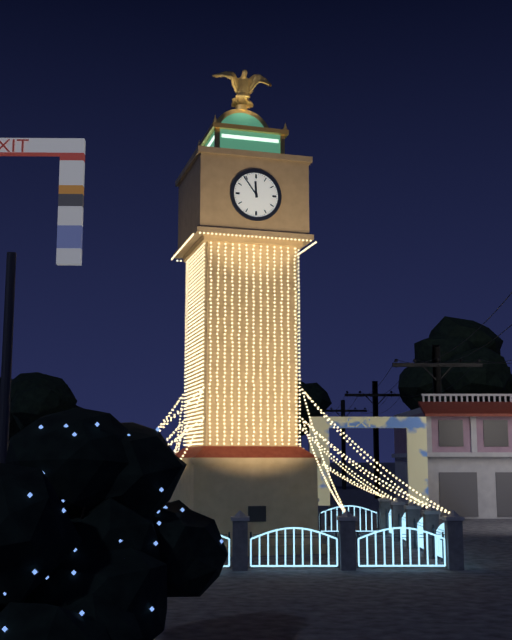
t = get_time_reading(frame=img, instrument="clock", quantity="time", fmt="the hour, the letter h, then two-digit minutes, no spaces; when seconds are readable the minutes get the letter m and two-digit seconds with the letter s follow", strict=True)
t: 11h54
